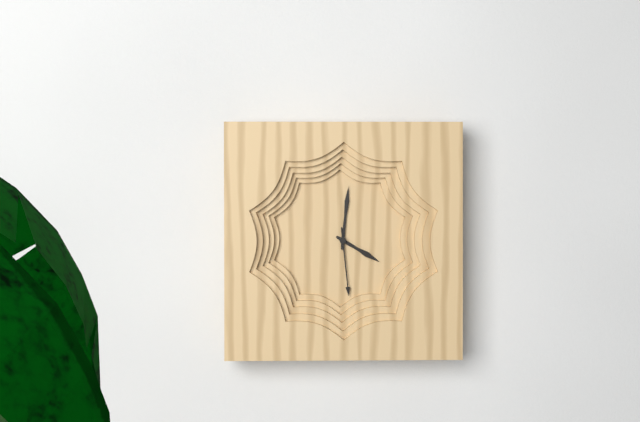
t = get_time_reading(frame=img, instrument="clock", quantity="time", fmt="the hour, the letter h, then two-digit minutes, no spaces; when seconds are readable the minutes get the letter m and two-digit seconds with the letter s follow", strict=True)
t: 4h01m29s
